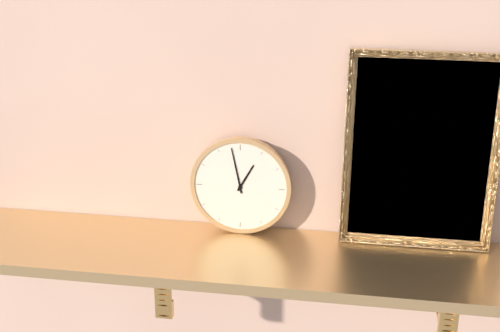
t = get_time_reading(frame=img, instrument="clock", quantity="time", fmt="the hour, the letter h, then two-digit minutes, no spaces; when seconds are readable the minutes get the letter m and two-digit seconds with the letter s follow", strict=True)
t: 12h58
